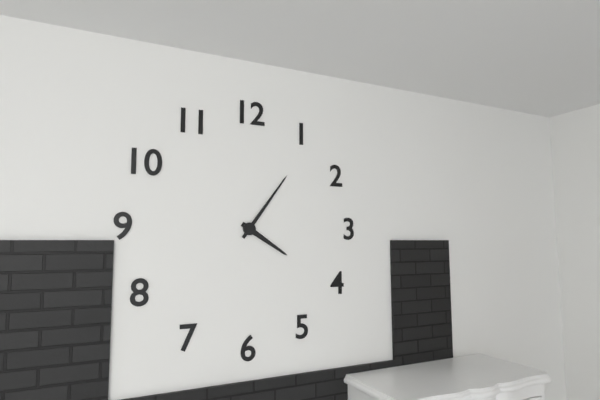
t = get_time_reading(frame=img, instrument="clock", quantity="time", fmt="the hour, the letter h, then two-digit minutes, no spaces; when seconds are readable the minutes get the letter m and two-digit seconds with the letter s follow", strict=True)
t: 4h06
